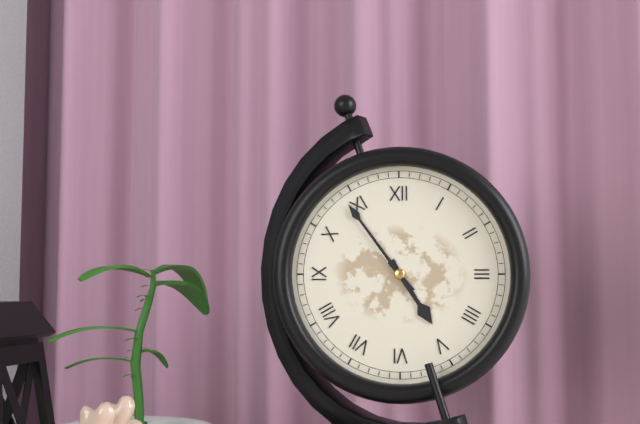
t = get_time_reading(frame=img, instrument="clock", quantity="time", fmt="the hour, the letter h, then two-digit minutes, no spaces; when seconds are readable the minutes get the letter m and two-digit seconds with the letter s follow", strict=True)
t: 4h54
